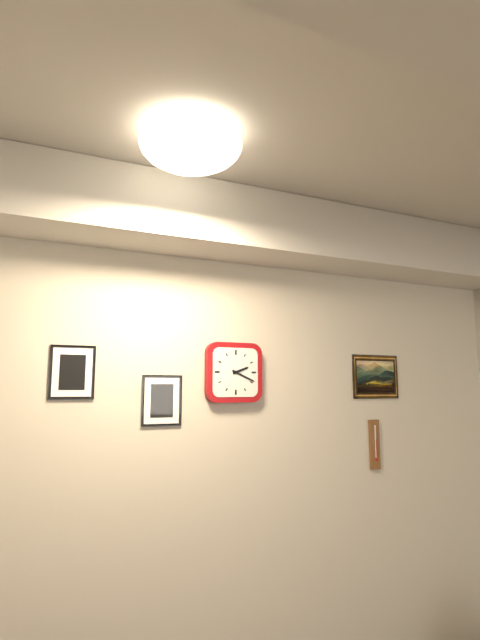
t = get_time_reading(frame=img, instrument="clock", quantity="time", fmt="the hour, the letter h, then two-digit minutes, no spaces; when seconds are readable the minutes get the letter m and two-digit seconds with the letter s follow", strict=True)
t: 2h19
